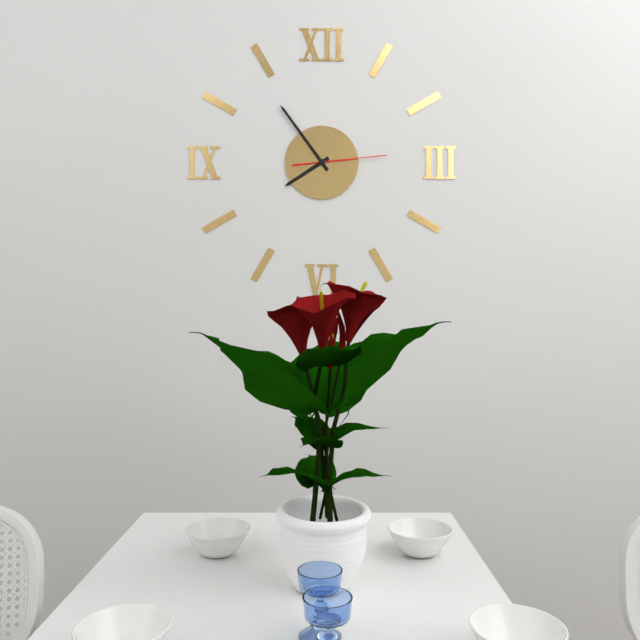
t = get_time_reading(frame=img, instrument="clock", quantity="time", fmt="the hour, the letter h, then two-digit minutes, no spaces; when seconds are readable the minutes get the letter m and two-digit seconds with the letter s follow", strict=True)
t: 7h54m14s
